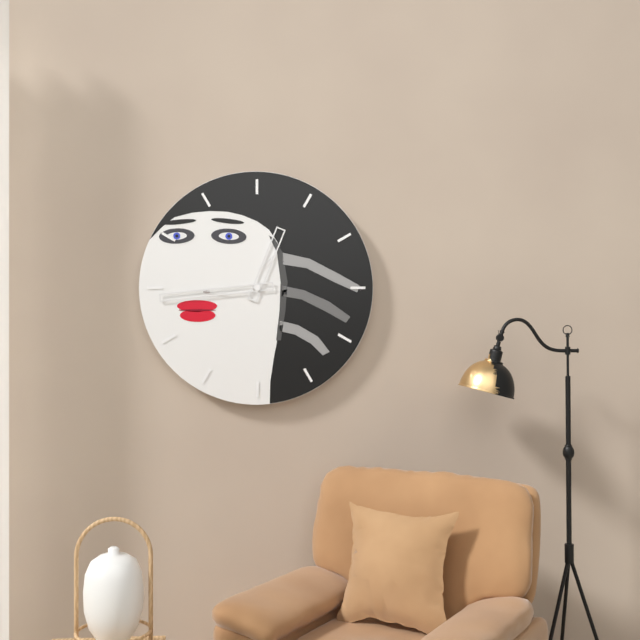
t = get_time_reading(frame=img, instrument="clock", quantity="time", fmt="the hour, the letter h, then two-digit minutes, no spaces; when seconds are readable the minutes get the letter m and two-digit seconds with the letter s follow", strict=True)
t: 12h44
